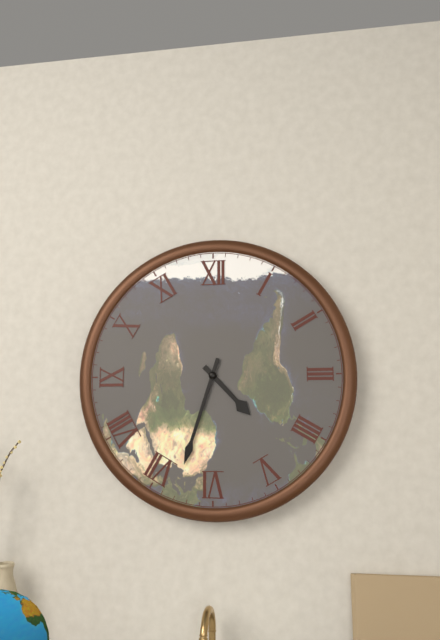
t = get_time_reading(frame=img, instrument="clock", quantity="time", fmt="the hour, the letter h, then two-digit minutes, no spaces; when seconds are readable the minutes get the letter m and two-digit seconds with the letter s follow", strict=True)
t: 4h33
